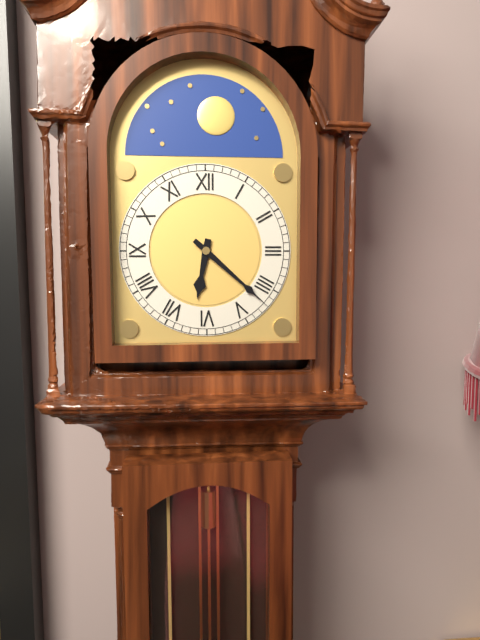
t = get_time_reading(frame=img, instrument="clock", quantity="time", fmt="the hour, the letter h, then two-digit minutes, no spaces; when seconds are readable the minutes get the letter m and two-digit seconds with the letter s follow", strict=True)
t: 6h22
